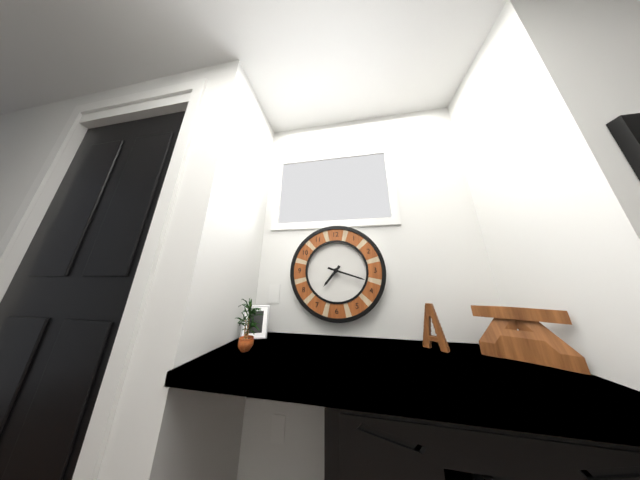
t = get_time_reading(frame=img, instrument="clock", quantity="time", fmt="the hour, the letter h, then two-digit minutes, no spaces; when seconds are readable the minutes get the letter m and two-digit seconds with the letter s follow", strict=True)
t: 7h18
